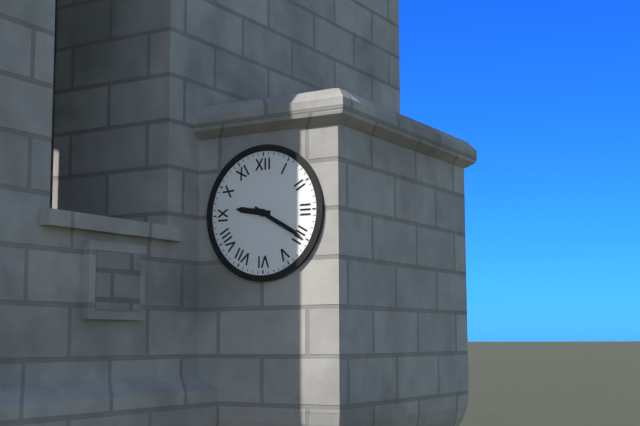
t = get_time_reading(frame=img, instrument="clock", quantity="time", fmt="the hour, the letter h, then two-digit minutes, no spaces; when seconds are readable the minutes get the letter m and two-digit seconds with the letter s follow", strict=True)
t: 9h20
